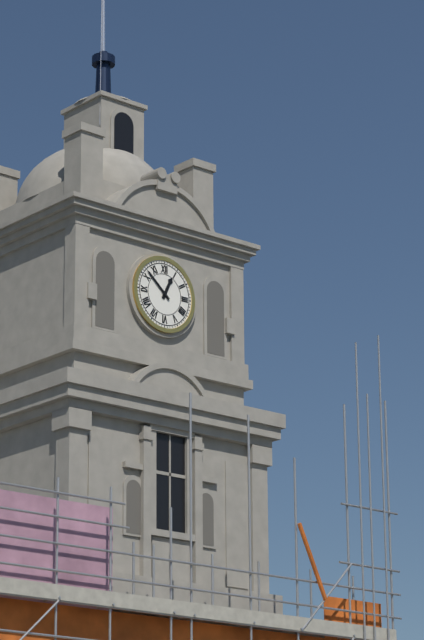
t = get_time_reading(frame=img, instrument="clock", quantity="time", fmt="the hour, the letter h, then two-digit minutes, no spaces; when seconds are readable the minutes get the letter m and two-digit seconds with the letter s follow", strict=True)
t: 12h52
